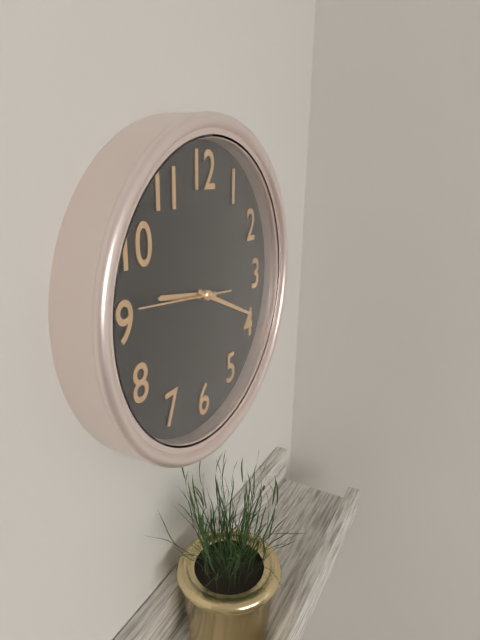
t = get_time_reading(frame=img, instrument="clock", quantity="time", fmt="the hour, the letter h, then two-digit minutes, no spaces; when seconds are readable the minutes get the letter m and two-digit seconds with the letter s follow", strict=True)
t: 9h19m46s
